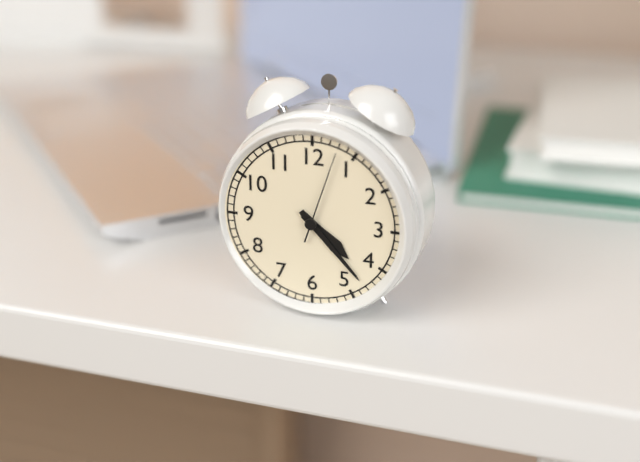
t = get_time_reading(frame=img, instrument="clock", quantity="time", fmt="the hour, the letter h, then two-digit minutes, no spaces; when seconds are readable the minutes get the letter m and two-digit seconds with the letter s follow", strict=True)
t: 4h23m03s
